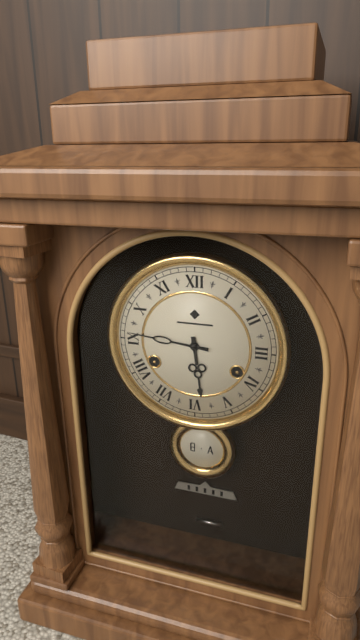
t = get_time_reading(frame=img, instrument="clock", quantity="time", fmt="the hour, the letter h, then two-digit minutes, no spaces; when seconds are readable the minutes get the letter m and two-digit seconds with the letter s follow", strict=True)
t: 5h46
